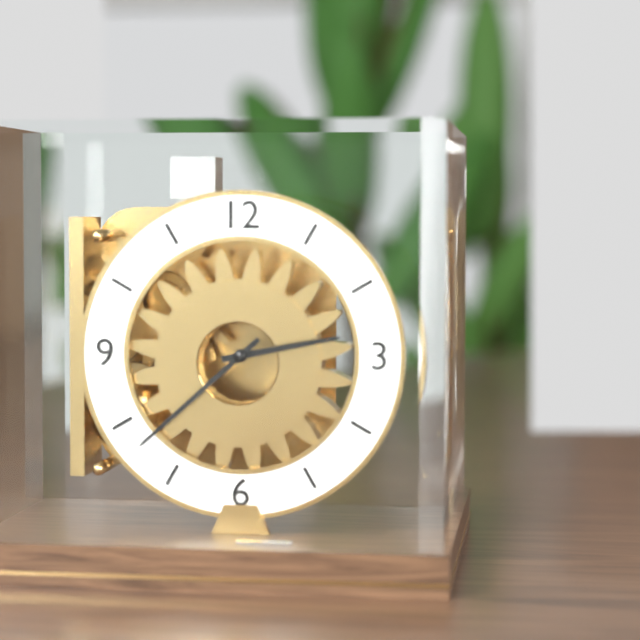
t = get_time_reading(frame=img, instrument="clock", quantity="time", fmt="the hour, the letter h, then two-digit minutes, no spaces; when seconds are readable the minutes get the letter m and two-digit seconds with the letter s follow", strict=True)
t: 2h38
